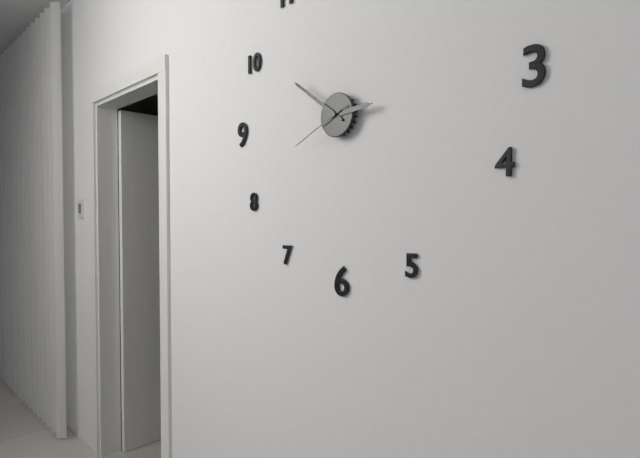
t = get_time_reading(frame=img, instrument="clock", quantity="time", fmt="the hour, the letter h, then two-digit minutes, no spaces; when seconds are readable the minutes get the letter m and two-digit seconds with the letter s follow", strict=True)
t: 2h51m41s
